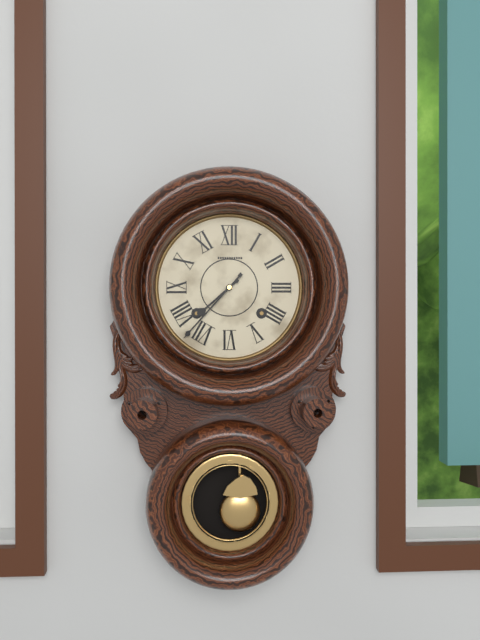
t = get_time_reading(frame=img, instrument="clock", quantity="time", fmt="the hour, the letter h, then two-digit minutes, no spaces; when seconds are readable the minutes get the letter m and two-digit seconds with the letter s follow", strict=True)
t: 7h37
